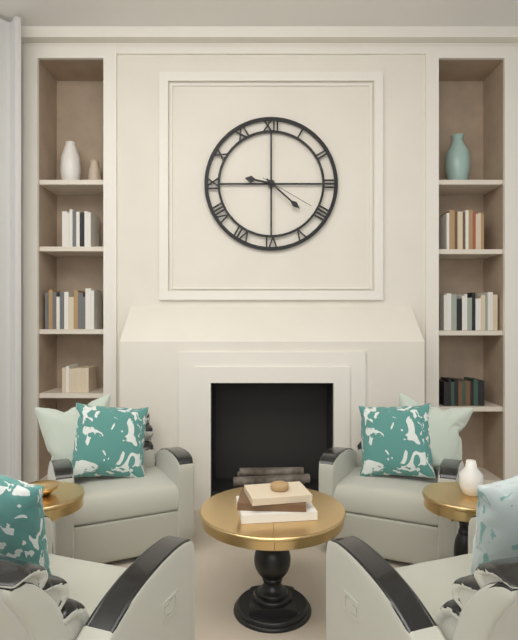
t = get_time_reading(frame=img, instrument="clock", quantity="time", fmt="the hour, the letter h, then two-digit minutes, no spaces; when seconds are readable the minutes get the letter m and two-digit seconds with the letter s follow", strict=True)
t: 9h22m20s
